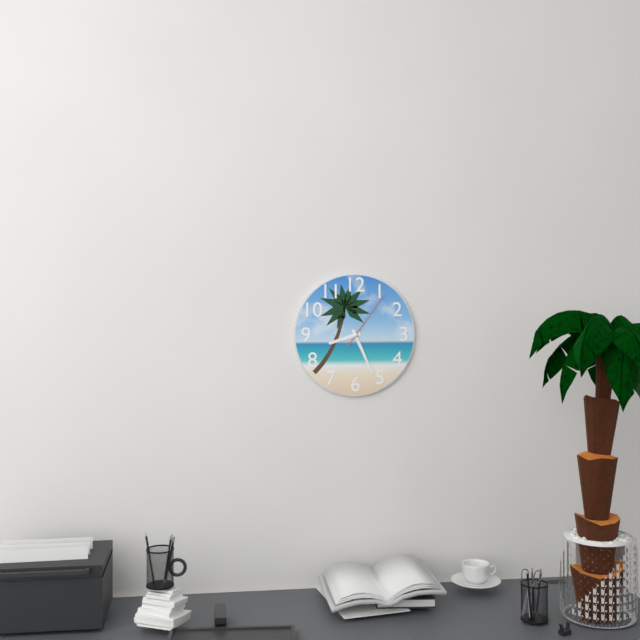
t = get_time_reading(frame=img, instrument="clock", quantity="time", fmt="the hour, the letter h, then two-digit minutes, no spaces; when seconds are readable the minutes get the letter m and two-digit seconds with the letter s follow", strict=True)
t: 8h26m06s
